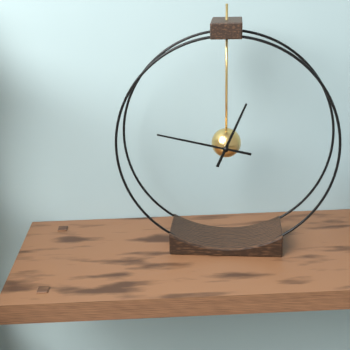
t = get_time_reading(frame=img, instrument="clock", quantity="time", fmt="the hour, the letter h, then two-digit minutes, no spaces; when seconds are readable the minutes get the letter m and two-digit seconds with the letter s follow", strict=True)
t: 12h47
